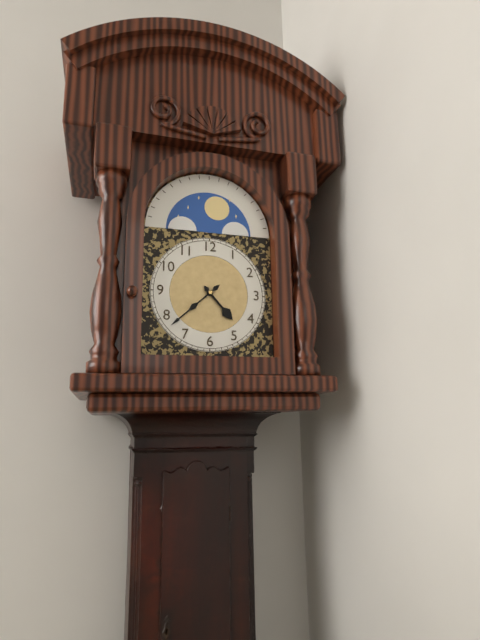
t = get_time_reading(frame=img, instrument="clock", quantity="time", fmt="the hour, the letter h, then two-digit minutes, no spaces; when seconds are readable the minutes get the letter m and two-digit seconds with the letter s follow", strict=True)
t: 4h38
